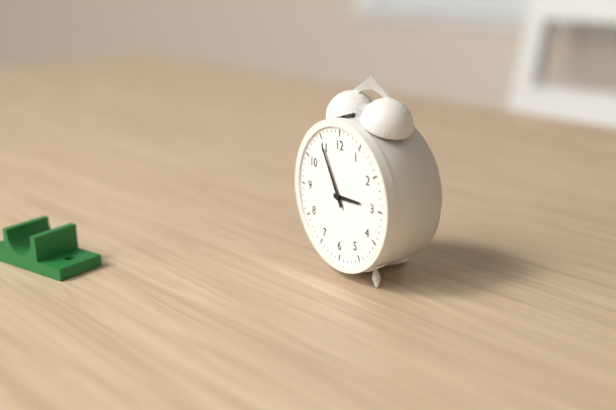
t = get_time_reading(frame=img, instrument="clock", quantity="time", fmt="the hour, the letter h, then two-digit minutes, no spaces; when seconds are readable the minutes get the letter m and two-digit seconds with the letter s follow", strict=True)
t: 2h55
